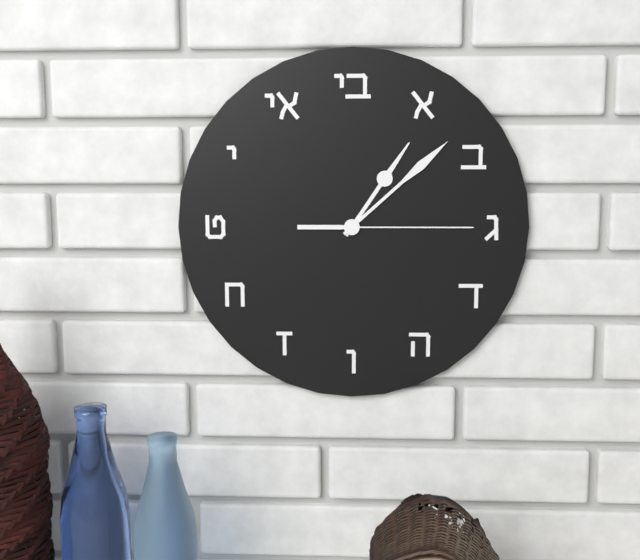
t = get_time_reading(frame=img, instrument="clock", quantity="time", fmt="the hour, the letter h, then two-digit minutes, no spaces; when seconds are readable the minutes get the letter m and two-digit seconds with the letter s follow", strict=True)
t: 1h08m15s
